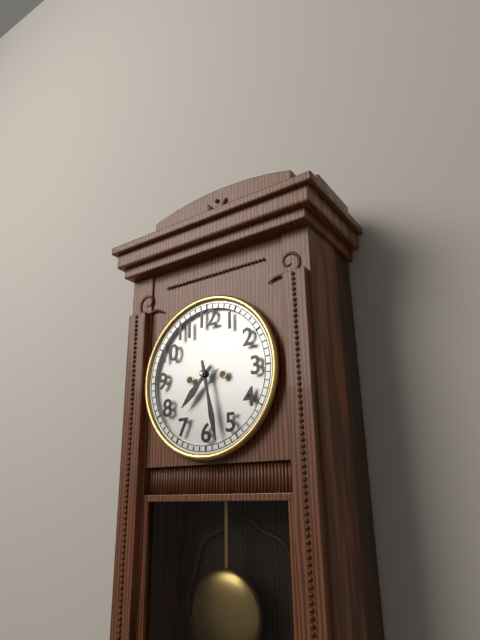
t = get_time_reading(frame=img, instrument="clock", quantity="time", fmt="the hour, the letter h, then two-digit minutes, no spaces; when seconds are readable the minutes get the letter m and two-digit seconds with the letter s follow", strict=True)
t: 7h28
